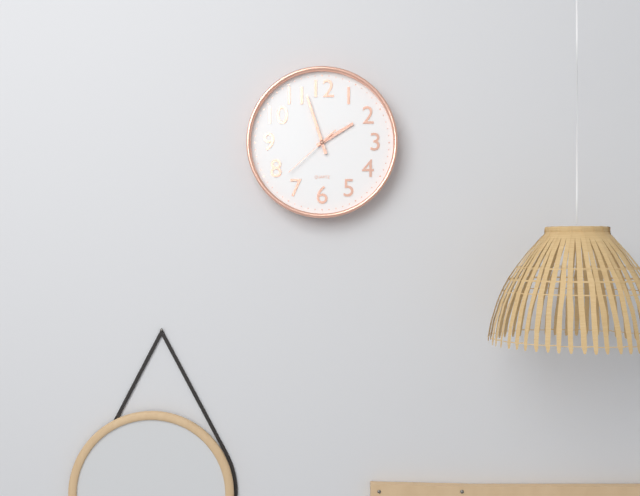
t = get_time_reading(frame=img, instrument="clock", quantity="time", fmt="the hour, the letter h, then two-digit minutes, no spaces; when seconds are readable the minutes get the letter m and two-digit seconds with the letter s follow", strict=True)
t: 1h57m38s
